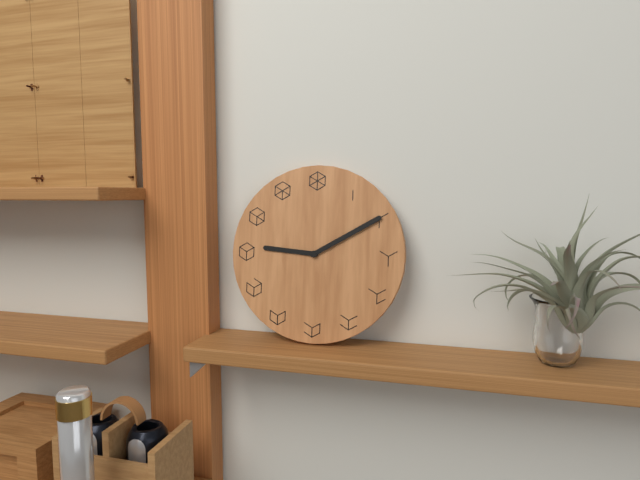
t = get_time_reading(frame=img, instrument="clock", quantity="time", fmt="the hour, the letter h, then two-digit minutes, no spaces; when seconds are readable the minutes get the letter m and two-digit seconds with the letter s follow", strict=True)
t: 9h10
